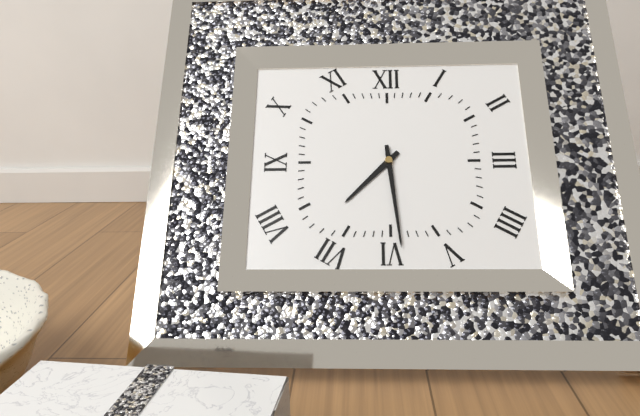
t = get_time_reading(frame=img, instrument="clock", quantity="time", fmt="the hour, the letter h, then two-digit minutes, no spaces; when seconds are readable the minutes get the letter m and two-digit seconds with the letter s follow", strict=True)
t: 7h29
